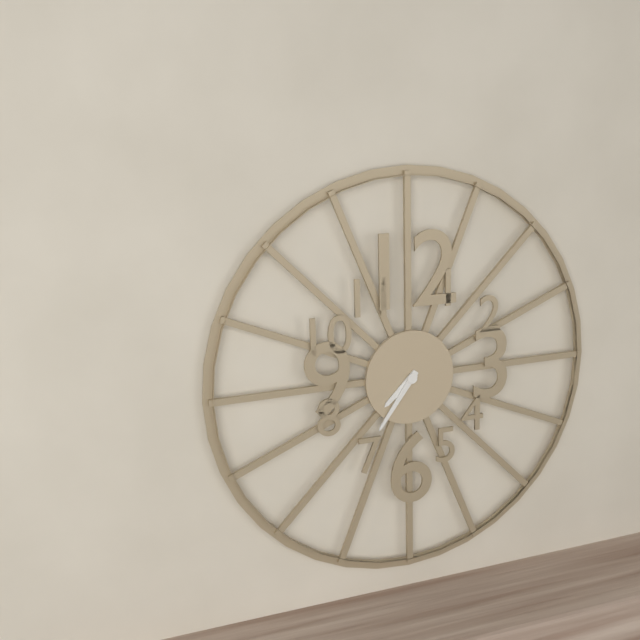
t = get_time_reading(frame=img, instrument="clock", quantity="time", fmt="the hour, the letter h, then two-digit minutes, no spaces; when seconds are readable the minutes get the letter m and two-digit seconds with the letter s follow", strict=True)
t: 7h36
